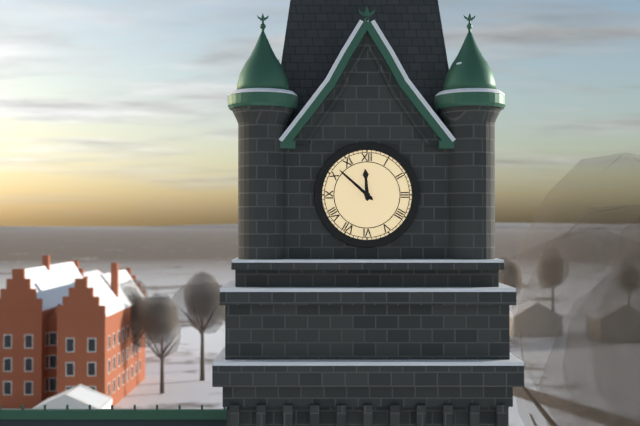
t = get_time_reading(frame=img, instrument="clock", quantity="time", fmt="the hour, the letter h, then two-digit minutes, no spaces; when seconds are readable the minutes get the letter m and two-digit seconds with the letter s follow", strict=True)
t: 11h52
